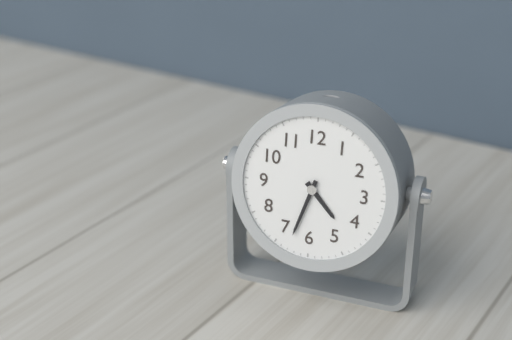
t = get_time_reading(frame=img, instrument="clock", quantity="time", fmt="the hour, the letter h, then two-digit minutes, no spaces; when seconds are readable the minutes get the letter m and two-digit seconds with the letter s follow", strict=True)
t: 4h33
